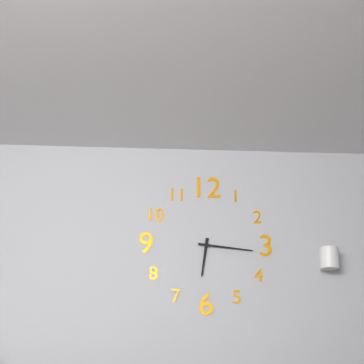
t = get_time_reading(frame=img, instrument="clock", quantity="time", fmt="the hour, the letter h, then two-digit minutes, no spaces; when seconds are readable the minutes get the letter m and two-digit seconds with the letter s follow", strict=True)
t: 6h16
